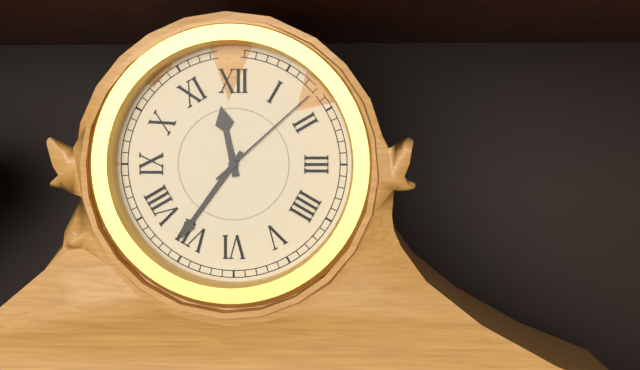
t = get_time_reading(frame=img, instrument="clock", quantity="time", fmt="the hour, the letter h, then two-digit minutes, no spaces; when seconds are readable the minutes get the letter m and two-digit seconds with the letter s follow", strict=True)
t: 11h36m08s
